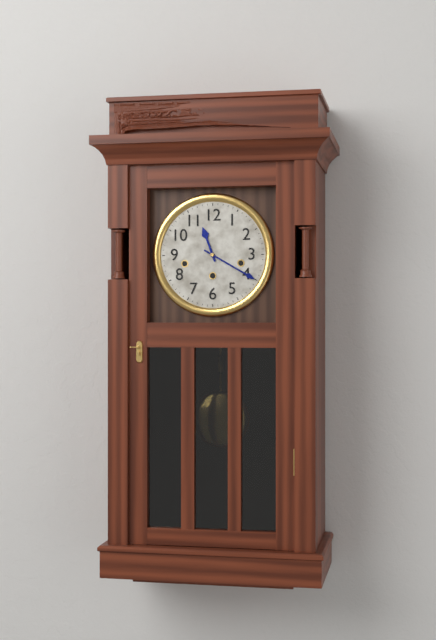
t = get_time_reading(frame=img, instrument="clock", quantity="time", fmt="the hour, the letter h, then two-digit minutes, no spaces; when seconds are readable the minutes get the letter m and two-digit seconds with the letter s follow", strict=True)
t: 11h20
